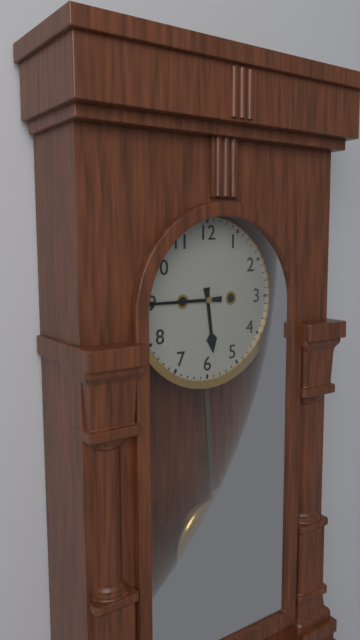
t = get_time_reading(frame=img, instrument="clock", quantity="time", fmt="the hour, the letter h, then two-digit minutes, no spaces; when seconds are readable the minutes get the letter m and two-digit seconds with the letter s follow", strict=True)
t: 5h45
